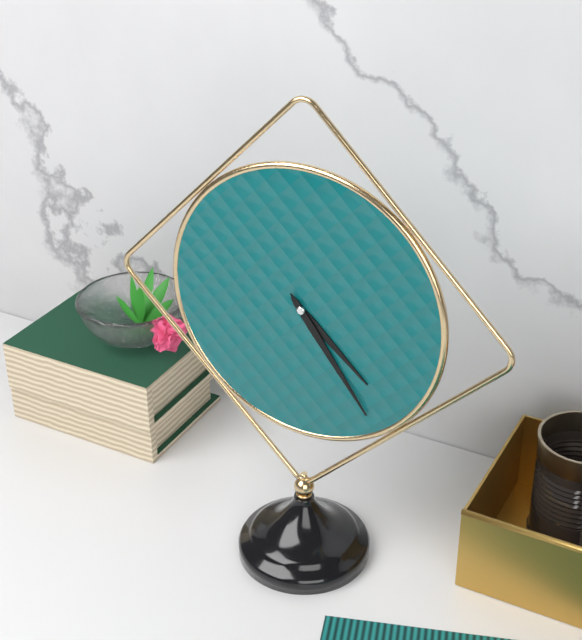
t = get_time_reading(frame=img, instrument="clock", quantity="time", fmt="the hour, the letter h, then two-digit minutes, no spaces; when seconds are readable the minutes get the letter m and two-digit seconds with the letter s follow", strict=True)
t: 4h24
